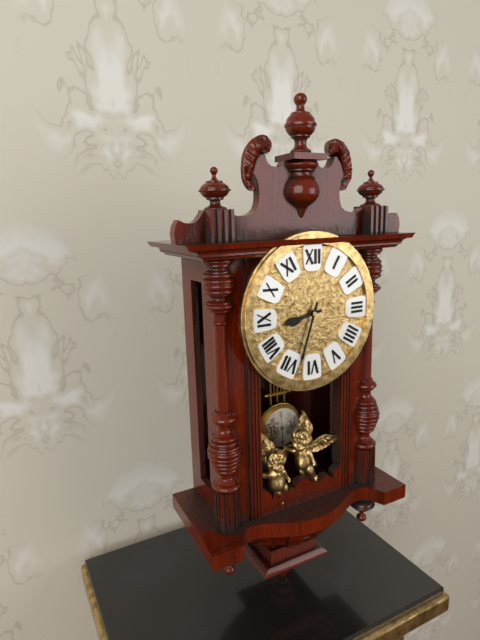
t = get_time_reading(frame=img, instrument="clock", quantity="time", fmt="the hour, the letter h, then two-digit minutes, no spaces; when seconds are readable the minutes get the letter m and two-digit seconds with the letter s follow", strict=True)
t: 8h33
